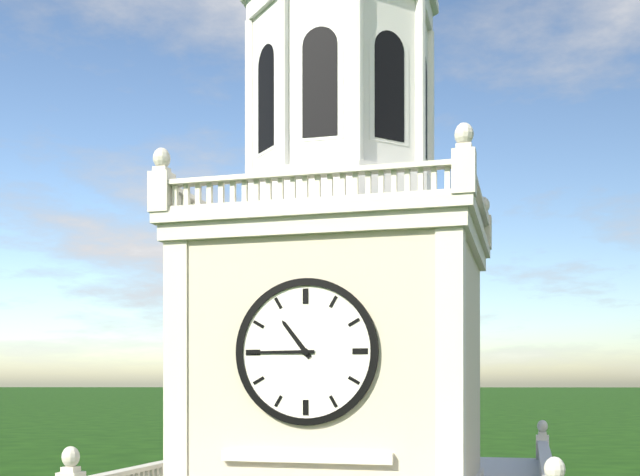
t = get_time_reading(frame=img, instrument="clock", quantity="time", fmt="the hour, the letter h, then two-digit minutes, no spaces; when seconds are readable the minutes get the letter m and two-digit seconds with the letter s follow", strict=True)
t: 10h45
